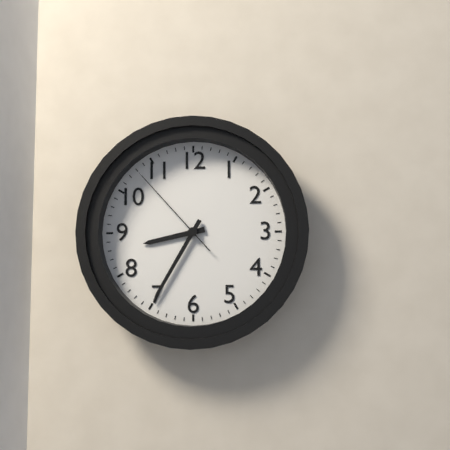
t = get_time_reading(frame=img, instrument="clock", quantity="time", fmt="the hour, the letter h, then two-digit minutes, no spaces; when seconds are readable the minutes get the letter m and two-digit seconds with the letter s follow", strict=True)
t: 8h35m53s
